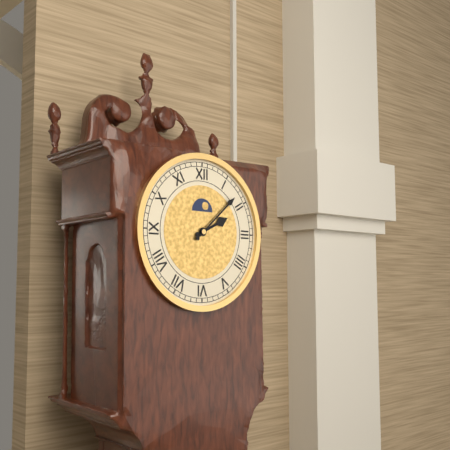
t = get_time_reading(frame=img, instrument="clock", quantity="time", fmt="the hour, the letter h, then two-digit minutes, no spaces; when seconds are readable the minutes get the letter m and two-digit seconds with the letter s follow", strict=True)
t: 2h08
